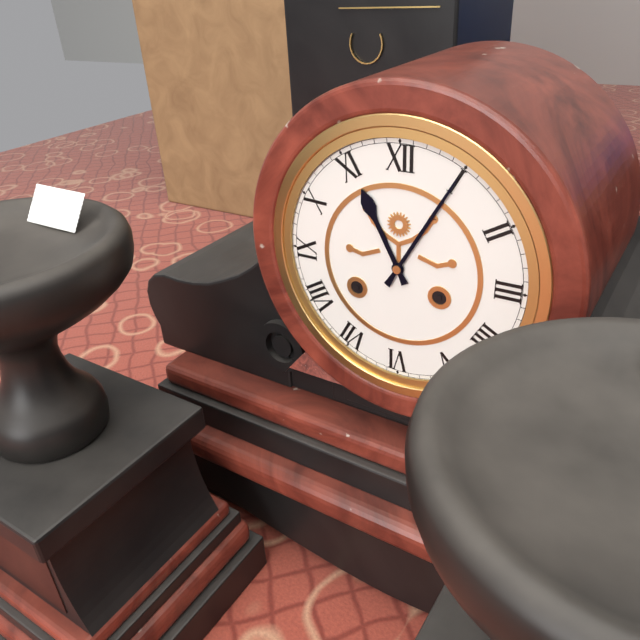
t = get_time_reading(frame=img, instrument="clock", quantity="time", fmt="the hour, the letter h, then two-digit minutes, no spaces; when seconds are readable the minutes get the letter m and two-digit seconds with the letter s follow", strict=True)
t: 11h05
